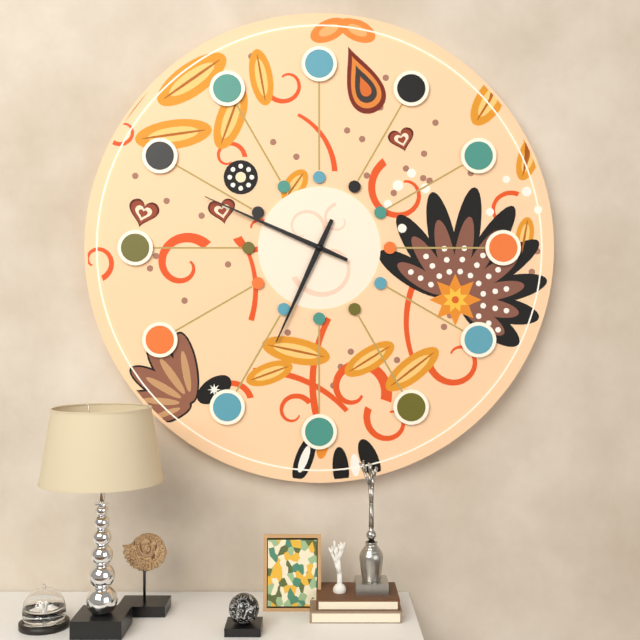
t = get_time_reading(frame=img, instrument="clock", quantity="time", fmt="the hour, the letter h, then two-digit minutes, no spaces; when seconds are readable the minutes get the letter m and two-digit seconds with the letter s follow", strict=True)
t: 6h49
